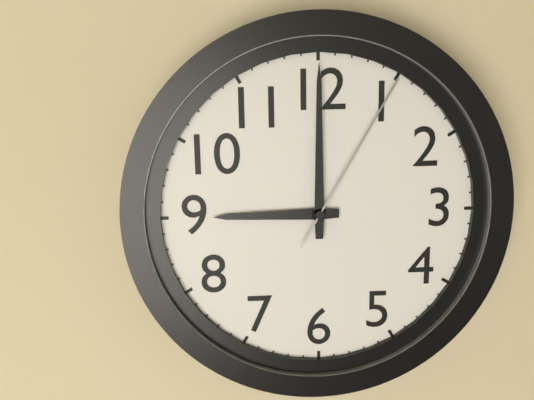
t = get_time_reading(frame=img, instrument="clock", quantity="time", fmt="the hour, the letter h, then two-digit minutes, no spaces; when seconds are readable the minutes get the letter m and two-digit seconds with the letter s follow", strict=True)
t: 9h00m05s
